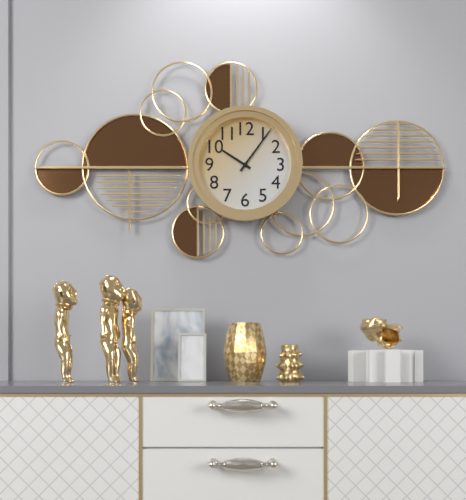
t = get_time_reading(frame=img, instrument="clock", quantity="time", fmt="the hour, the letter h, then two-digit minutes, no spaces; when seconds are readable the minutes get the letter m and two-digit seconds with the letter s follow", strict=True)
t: 10h06
